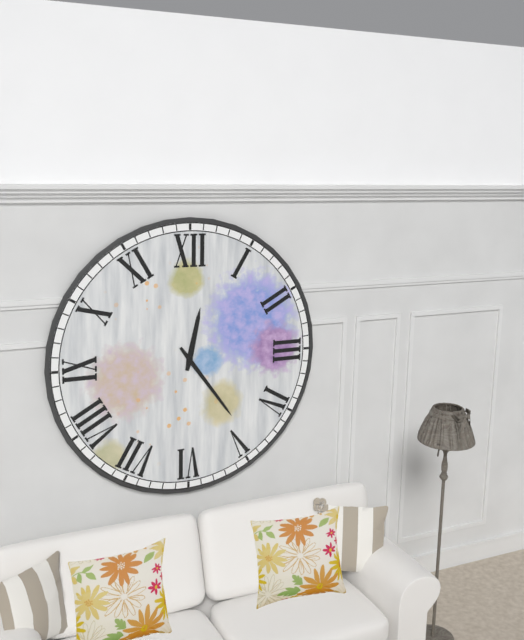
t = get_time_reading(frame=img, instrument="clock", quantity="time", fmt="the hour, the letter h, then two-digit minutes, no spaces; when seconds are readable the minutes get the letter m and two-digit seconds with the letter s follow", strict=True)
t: 12h24
